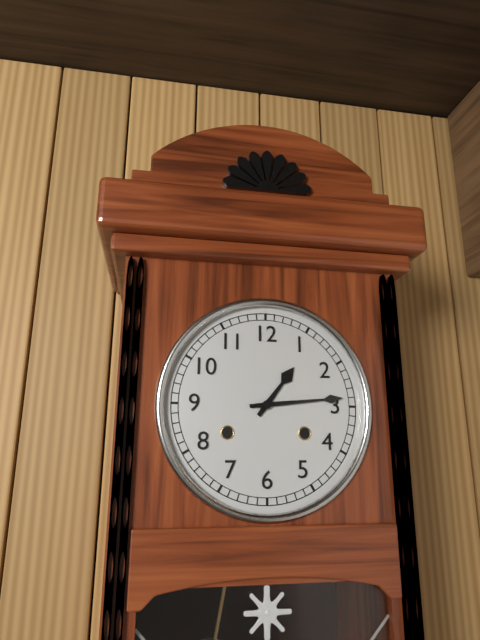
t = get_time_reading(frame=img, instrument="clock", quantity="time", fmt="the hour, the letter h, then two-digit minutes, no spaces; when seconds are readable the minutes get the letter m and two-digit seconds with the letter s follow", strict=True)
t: 1h14
